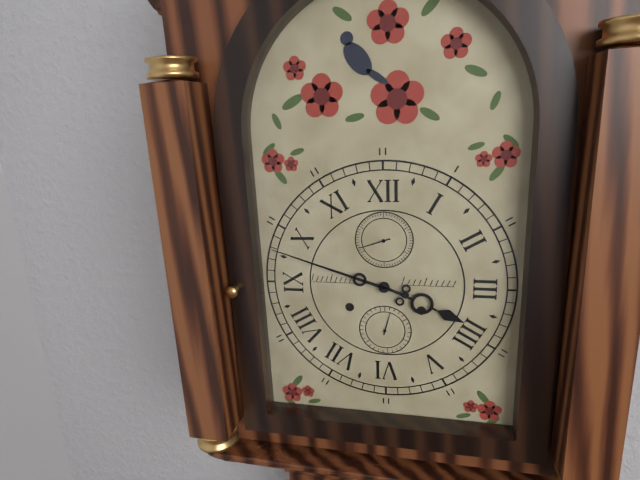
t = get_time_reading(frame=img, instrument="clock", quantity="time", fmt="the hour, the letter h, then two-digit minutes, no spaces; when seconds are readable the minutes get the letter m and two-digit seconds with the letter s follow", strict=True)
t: 3h48
